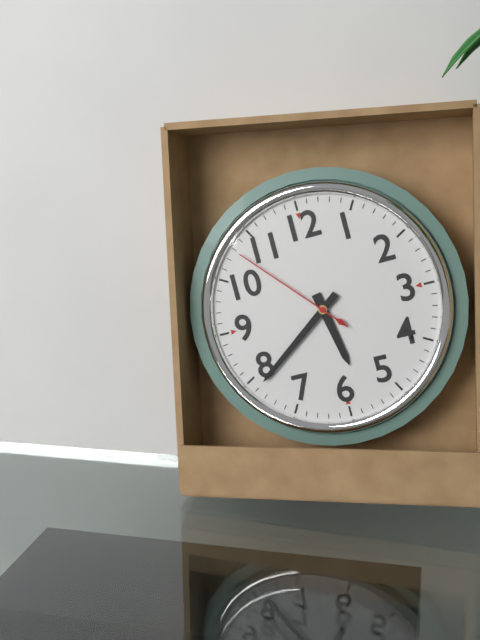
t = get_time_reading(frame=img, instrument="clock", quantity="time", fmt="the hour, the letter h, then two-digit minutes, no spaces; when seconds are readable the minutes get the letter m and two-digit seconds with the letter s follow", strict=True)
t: 5h39m53s
